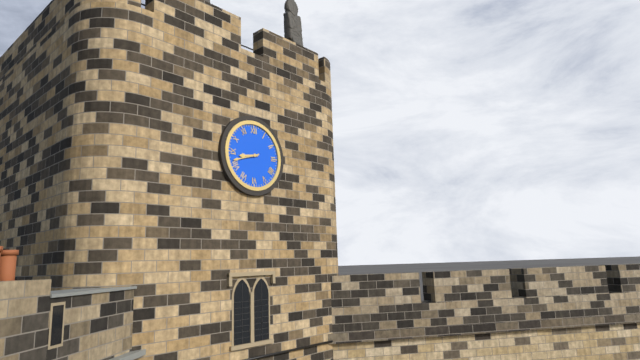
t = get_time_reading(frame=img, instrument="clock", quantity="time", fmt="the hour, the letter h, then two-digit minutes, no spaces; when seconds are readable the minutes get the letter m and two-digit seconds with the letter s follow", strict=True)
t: 8h42
